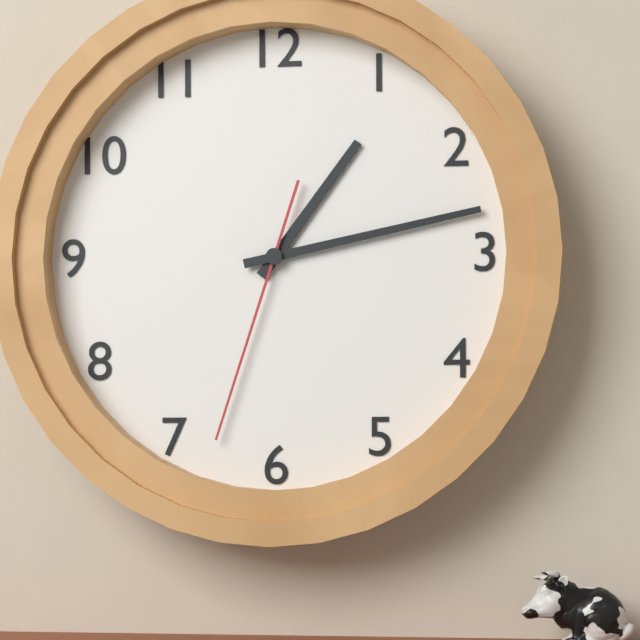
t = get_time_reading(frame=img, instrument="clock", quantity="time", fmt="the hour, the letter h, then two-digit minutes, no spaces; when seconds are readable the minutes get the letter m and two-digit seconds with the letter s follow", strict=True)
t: 1h13m33s
